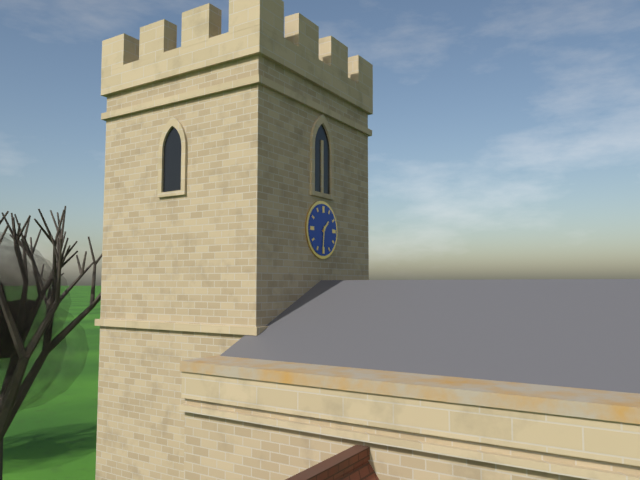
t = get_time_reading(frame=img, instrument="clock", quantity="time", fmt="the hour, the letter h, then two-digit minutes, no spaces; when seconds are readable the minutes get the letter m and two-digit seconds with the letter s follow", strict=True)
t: 1h31
